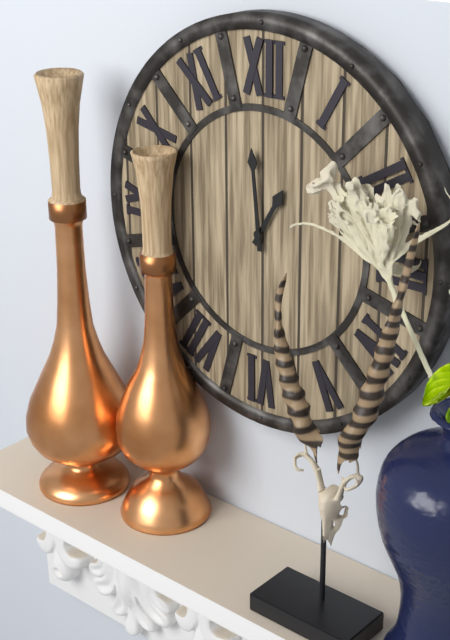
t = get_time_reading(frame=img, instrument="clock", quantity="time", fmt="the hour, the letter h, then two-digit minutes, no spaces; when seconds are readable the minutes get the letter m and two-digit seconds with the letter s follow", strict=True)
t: 12h59
